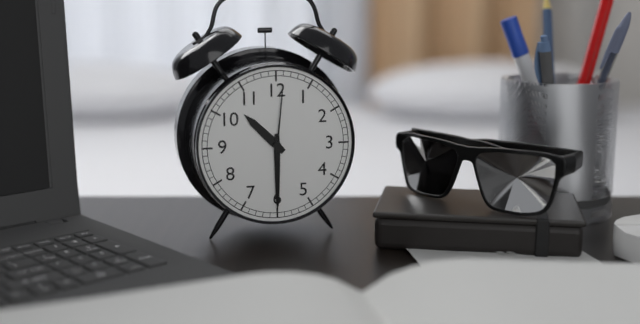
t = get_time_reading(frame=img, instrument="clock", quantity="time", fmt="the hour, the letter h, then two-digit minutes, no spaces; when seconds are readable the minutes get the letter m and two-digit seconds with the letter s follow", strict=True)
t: 10h30m01s
